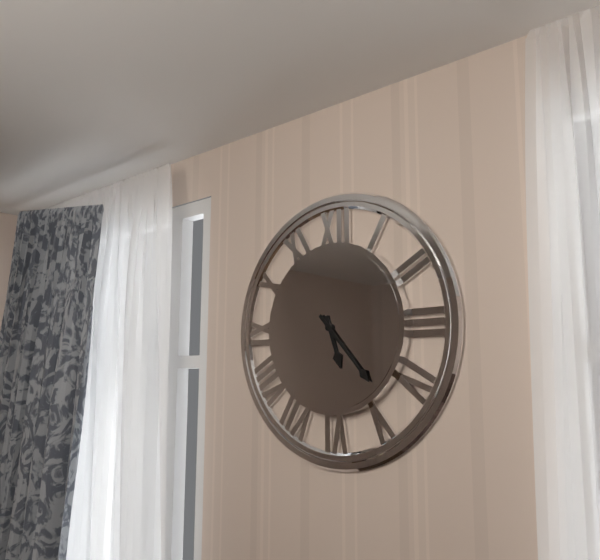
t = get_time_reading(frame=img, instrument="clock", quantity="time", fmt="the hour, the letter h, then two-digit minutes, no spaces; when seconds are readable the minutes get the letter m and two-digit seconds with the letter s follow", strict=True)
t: 5h23
